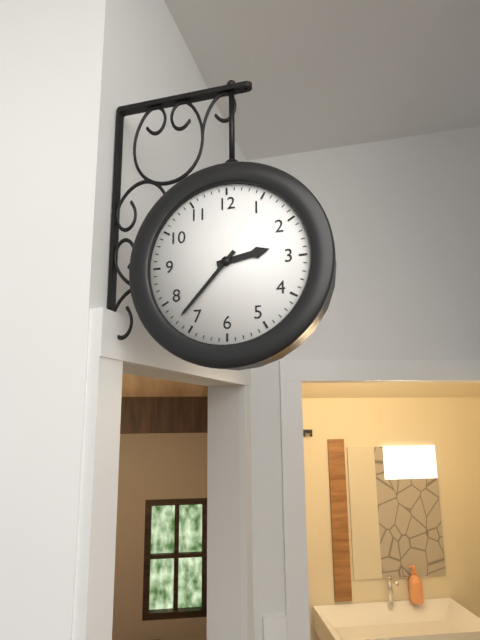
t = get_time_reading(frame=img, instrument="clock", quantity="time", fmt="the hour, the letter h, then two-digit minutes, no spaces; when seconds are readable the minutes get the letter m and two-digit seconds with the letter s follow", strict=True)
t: 2h37
